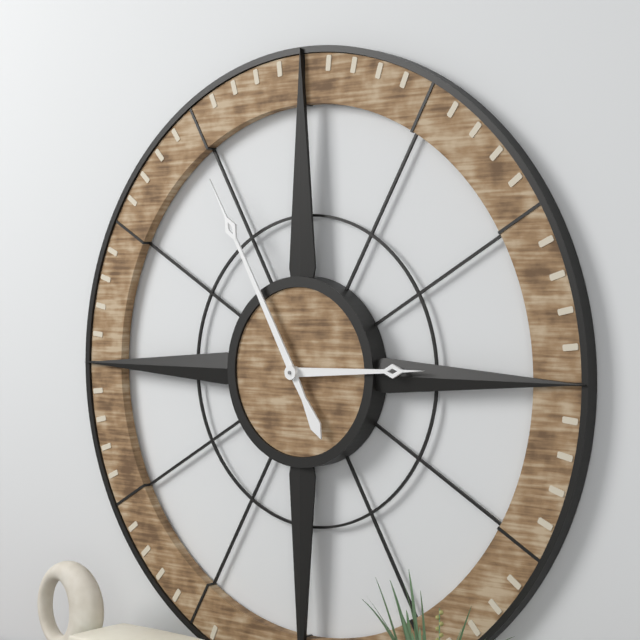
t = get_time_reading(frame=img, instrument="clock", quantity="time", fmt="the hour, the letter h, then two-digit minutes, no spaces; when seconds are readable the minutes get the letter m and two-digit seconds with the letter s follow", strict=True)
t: 2h55
